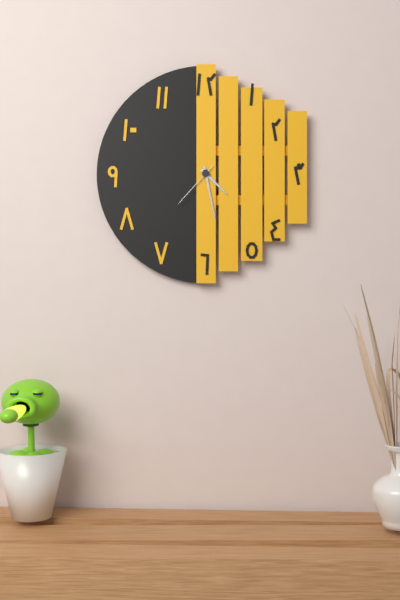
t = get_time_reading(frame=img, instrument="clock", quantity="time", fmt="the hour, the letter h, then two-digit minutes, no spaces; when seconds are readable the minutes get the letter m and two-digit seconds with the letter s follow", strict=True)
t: 4h28m37s
